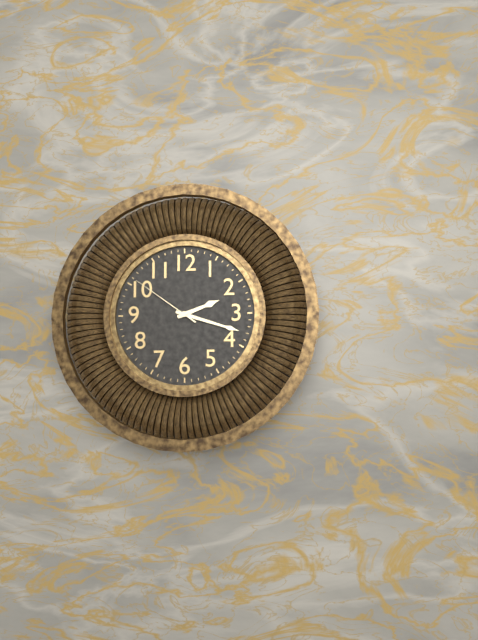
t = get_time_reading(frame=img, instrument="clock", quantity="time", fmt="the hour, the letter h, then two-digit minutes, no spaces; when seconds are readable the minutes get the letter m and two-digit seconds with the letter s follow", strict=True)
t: 2h18m51s
